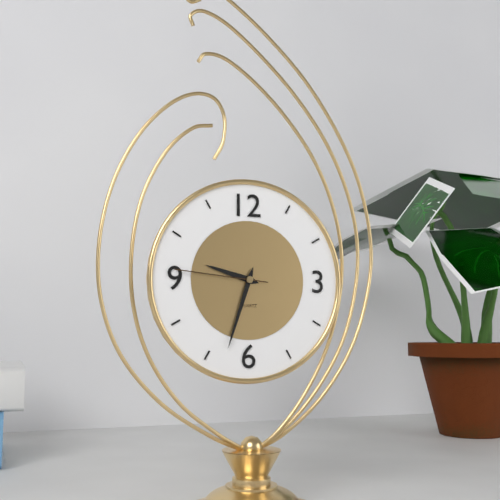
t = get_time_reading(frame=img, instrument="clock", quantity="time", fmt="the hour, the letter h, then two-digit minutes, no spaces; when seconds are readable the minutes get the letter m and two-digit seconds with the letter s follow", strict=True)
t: 9h33m46s
